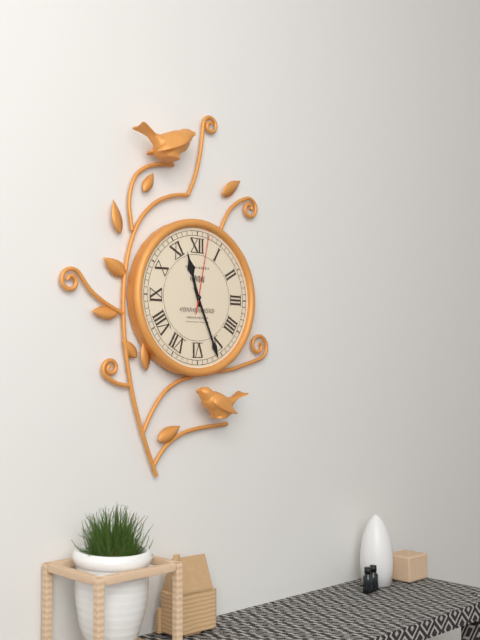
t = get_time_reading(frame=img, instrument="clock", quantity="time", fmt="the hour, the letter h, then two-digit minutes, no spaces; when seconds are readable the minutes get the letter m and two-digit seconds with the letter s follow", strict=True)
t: 11h26m02s
